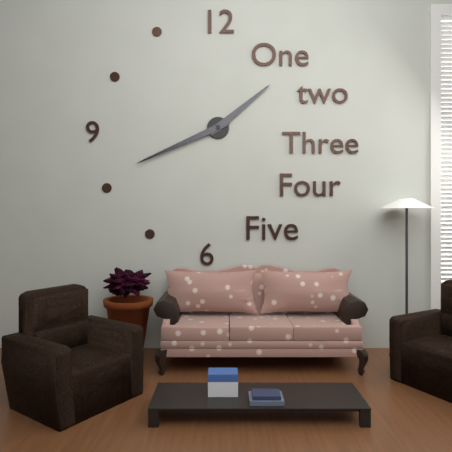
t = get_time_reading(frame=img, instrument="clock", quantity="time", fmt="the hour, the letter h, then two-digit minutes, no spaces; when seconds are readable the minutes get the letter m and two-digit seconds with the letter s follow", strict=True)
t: 1h41
